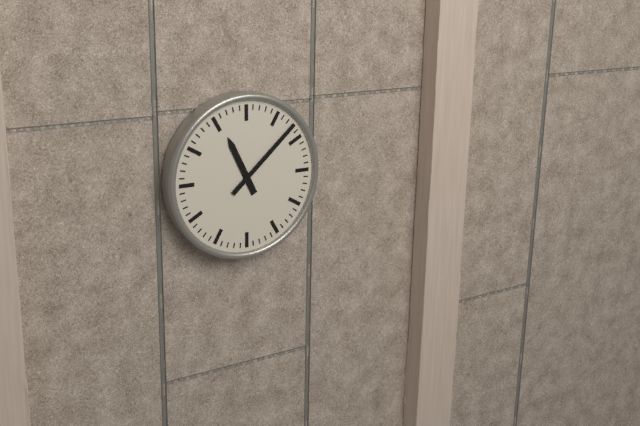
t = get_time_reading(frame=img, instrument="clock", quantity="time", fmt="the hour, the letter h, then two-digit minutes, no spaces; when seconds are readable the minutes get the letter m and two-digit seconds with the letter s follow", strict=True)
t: 11h08
